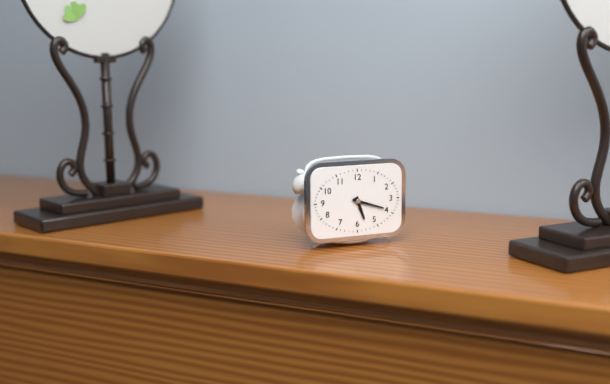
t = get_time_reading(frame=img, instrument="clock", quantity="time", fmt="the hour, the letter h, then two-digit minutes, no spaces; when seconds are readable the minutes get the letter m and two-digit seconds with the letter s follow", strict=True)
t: 5h18
